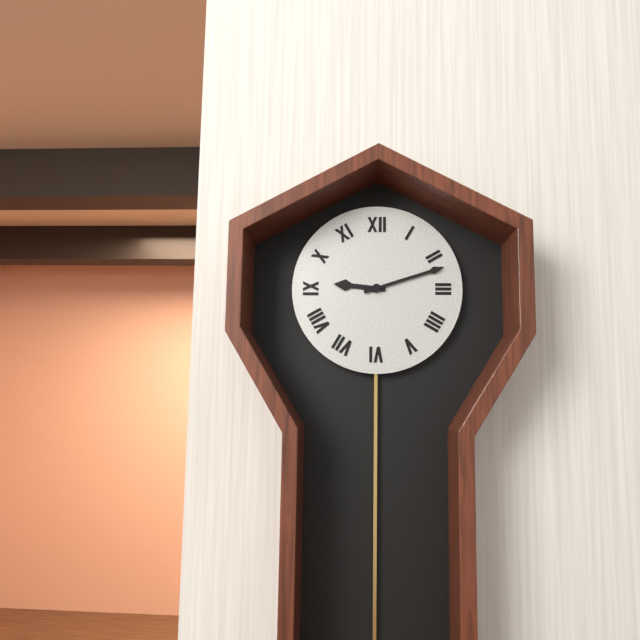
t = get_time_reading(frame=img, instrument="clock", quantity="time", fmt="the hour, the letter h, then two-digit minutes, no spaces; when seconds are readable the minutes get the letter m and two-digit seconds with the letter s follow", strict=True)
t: 9h12
